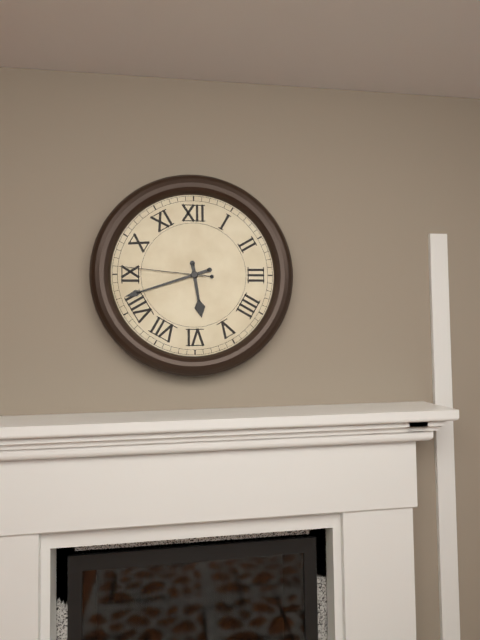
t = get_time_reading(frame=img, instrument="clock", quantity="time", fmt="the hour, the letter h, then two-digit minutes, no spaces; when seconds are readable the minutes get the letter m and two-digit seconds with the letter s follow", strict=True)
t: 5h42m46s
